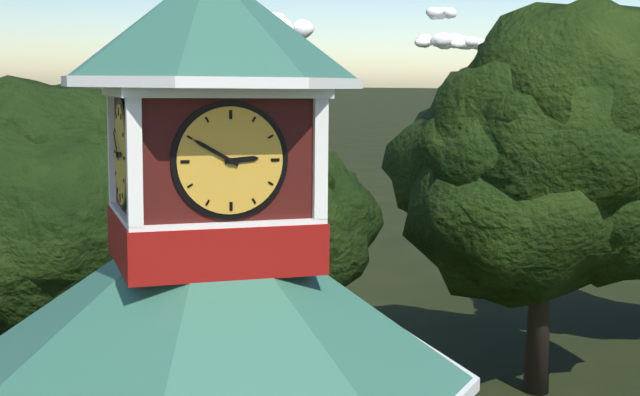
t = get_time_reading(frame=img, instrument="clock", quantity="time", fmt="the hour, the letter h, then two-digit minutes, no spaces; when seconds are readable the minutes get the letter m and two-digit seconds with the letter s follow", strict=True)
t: 2h50
